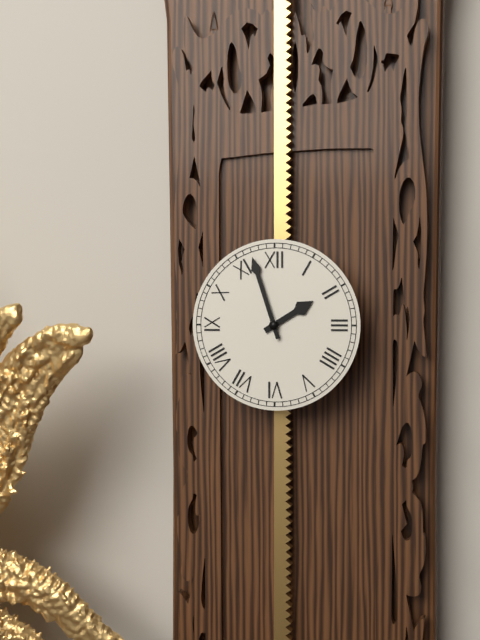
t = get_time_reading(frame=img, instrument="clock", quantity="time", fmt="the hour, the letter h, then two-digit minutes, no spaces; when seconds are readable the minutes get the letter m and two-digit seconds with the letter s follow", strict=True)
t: 1h57
